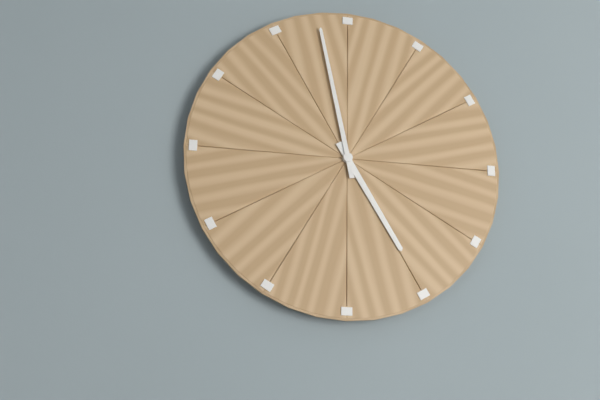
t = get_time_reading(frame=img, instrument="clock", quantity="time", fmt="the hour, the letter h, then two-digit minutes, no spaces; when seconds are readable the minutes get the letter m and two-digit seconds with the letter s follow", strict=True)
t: 4h58
